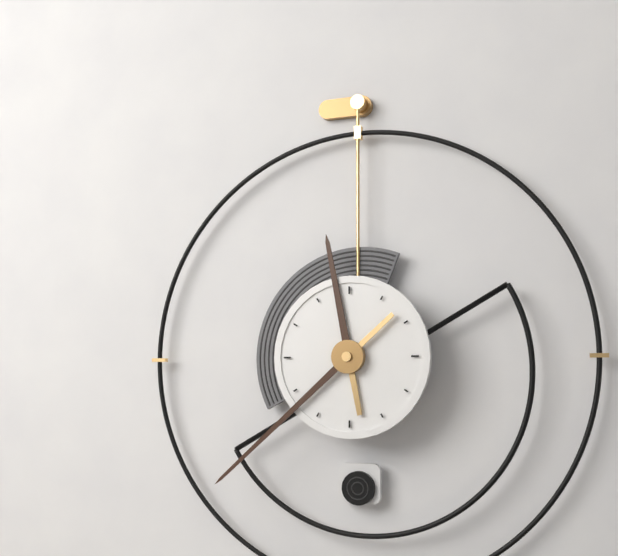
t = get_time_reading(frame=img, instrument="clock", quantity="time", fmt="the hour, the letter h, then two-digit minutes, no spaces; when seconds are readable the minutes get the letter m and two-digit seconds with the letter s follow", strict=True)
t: 11h38
